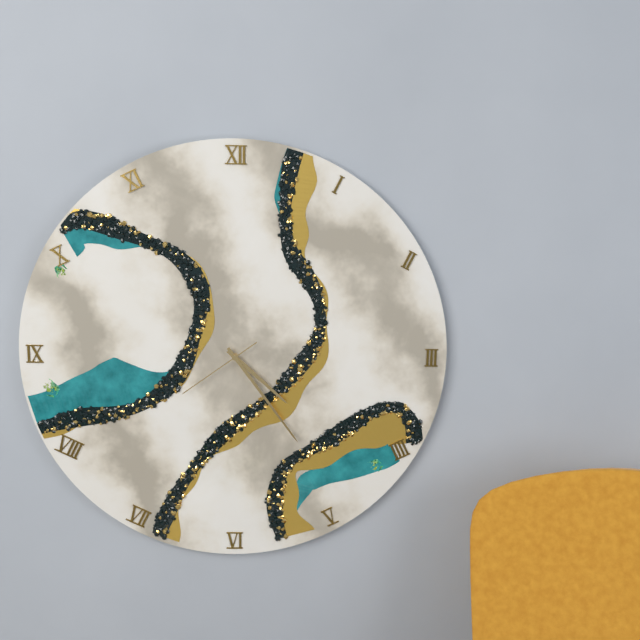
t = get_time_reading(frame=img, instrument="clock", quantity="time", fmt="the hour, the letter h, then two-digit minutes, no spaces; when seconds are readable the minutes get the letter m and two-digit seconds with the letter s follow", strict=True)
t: 4h24m39s
